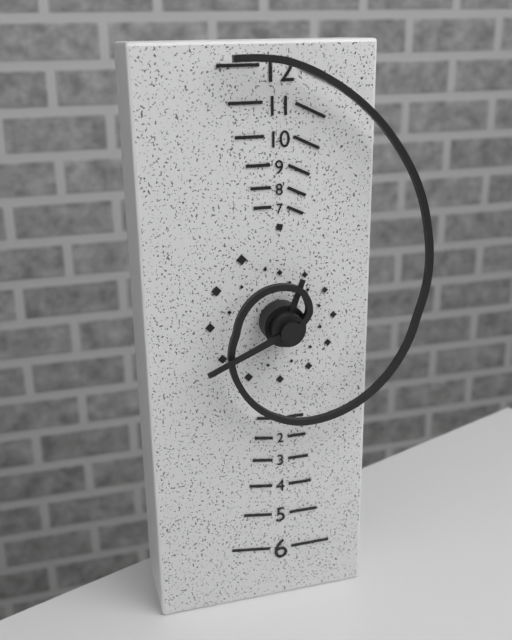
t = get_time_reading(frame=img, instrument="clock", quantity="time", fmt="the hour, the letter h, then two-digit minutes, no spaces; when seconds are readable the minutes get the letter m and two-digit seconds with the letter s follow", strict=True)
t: 12h41
